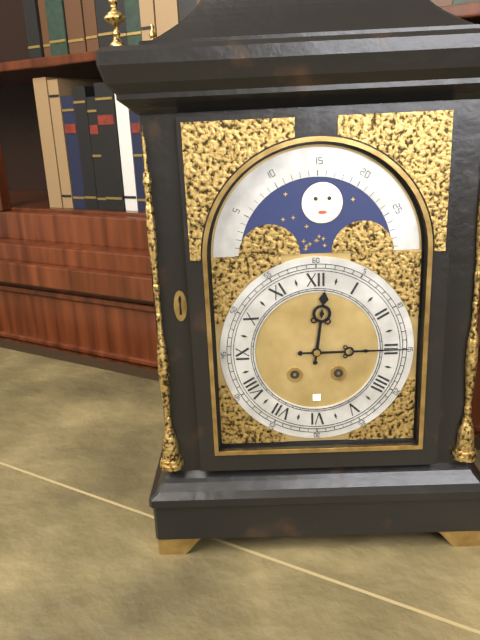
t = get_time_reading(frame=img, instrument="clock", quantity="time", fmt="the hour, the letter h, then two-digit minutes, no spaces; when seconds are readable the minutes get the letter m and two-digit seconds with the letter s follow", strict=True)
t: 12h15
